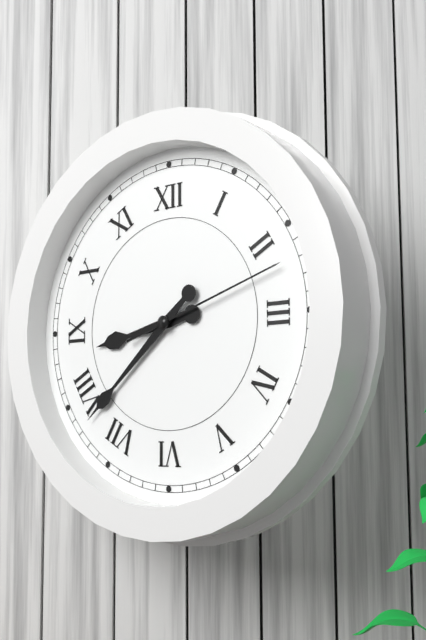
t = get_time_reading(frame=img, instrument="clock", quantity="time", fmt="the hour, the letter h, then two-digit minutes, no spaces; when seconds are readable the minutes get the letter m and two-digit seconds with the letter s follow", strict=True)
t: 8h38m12s
